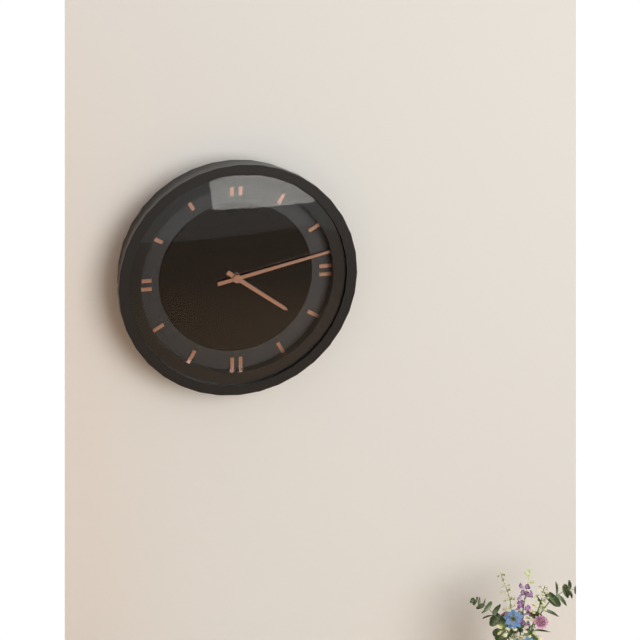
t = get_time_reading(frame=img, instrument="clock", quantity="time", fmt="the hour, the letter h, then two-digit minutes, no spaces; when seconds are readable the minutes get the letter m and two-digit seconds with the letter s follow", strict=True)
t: 4h13
